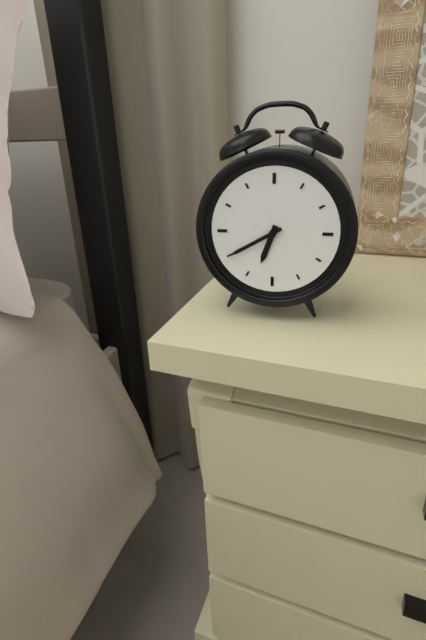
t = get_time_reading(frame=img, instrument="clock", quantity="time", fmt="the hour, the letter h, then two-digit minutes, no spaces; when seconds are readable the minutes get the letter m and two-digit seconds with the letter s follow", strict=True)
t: 6h40
